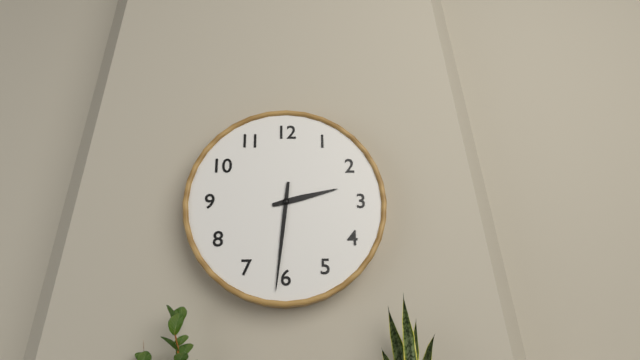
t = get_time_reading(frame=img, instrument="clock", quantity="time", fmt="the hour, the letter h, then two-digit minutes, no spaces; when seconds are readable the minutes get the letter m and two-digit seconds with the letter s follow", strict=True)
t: 2h31
